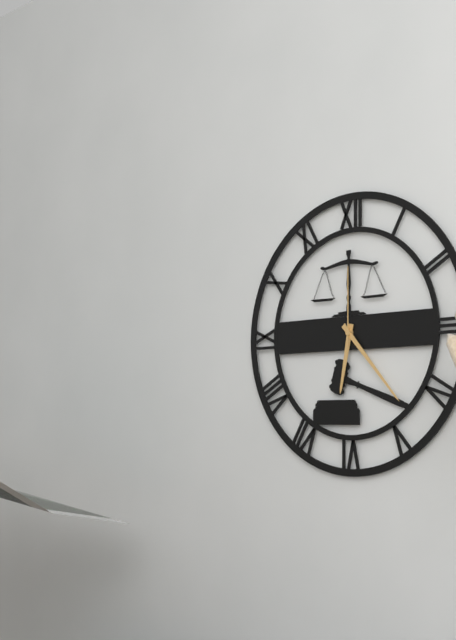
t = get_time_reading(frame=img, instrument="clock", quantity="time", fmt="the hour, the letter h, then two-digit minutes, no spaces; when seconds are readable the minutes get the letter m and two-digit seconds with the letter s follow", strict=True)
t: 6h23m00s
